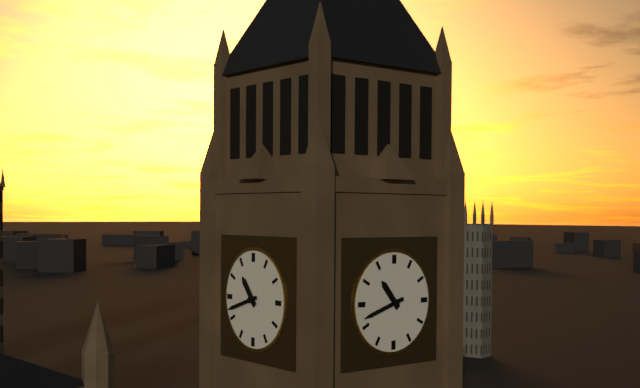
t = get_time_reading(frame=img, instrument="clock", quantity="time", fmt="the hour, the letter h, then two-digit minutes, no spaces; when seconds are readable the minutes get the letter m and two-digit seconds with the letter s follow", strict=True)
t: 10h42
